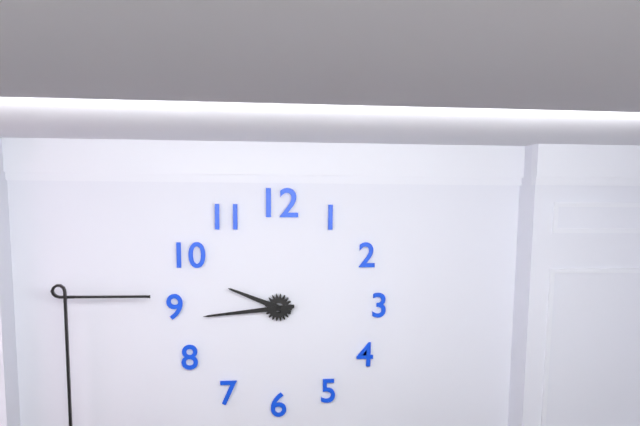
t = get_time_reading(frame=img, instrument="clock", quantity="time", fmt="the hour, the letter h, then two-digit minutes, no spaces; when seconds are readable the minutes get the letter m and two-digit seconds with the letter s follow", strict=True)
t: 9h44
